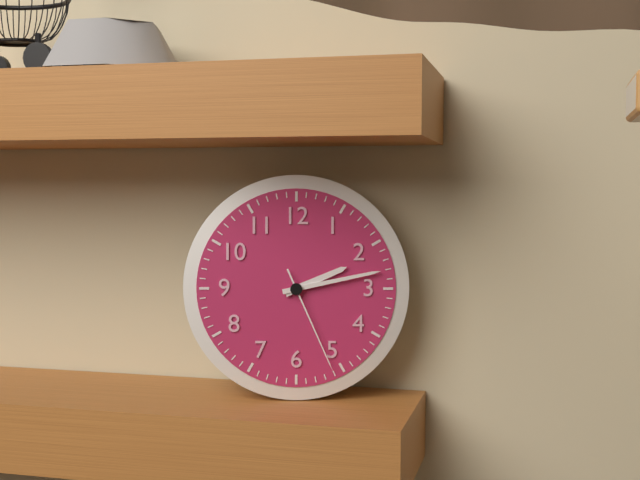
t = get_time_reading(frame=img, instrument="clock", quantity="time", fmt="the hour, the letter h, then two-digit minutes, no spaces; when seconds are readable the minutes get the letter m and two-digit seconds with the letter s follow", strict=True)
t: 2h13m26s
